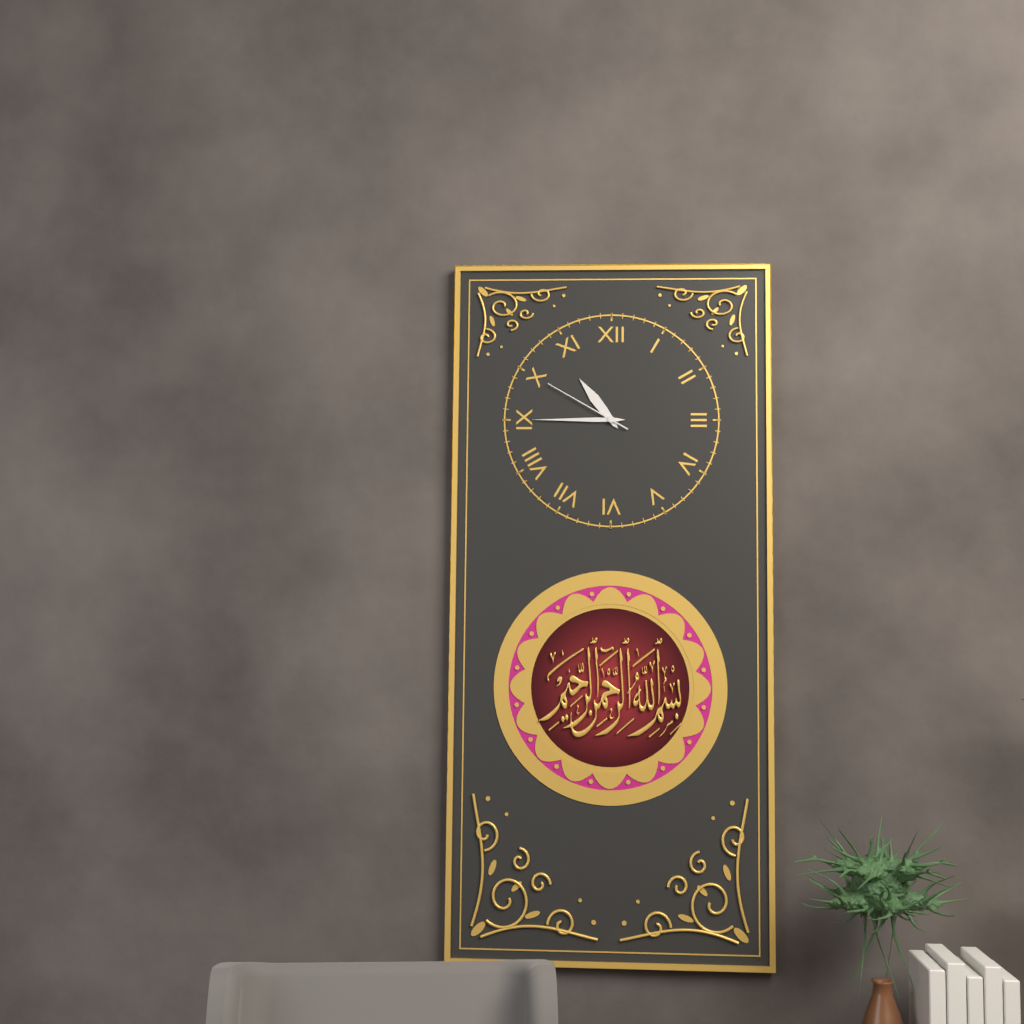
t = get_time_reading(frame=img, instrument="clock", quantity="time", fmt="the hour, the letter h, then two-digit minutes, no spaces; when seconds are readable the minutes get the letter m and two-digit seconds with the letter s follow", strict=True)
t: 10h45m50s
